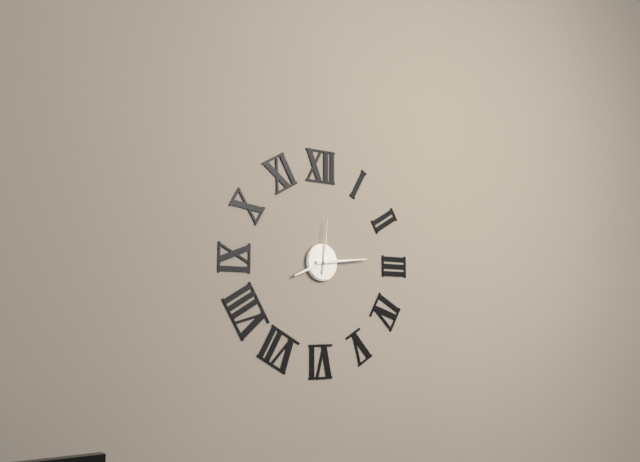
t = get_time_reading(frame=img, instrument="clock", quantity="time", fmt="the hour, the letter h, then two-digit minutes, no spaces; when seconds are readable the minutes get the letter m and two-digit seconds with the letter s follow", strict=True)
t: 8h14m01s
